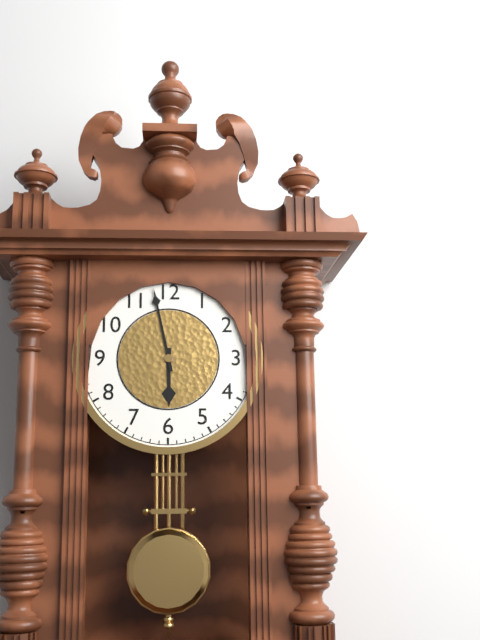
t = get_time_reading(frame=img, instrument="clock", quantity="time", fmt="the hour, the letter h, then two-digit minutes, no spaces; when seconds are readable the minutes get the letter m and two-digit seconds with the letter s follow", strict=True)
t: 5h58
